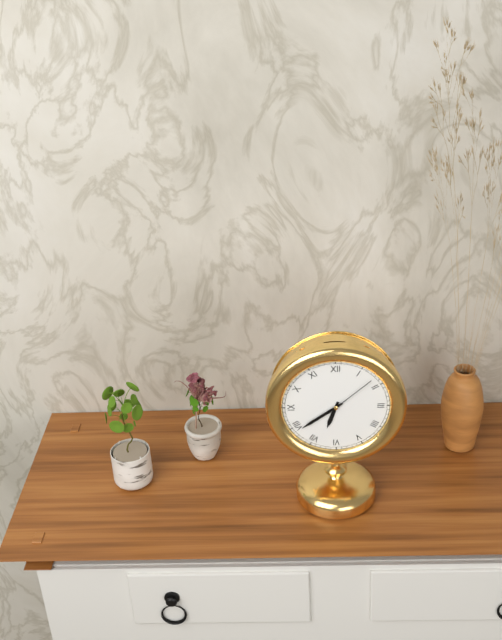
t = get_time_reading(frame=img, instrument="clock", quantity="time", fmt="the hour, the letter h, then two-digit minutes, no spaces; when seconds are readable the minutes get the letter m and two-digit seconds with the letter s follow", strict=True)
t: 6h39m08s
